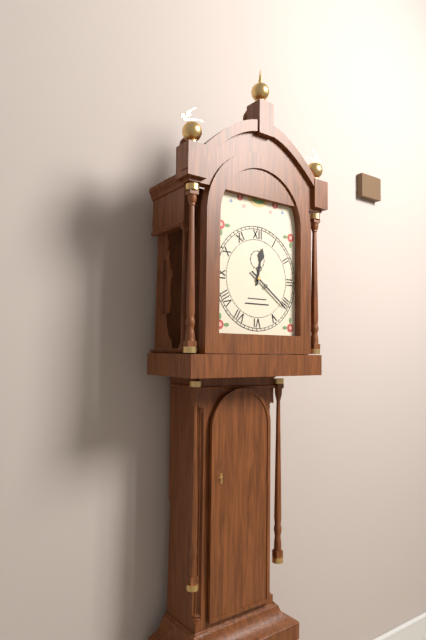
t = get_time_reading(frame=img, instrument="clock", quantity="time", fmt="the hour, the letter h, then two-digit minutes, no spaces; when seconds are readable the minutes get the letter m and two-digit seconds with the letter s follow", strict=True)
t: 12h21
